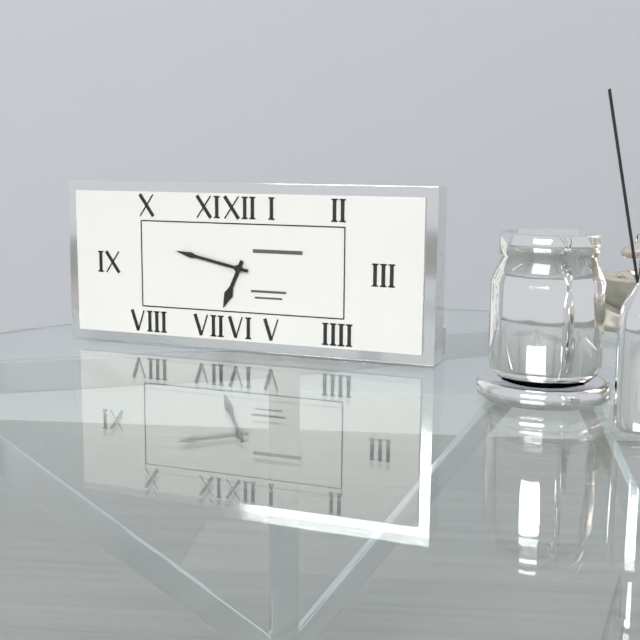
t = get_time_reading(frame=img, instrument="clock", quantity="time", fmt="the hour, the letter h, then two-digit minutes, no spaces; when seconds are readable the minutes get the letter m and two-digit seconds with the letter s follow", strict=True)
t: 6h47
